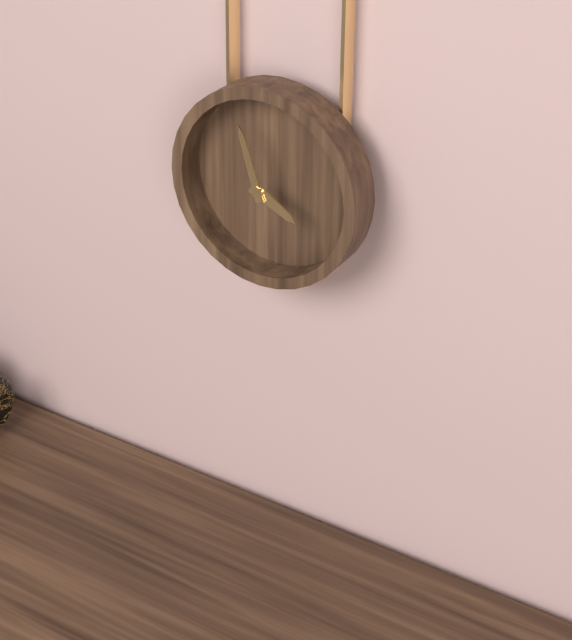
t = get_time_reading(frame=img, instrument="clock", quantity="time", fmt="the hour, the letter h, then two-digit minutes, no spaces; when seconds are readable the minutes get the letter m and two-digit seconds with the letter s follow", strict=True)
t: 3h57
